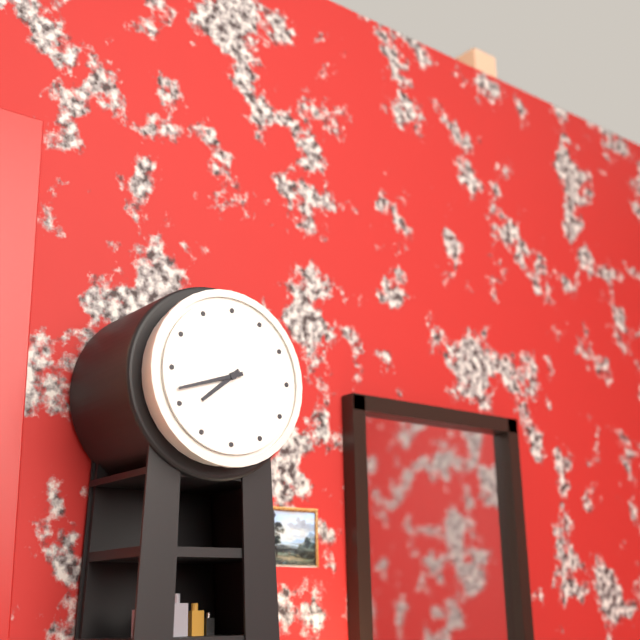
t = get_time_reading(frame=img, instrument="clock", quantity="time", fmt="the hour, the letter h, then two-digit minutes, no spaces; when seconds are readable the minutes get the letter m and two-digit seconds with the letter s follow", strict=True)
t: 7h42
